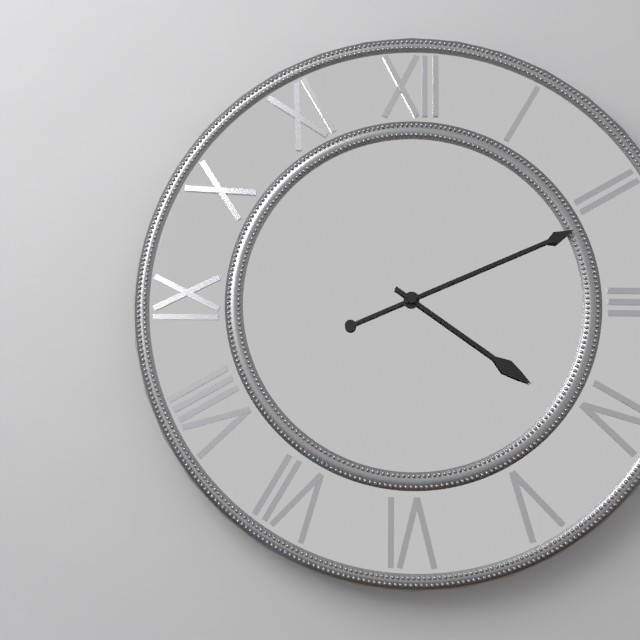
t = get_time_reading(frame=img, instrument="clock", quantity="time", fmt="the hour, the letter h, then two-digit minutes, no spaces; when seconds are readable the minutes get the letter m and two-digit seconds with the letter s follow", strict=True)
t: 4h11
